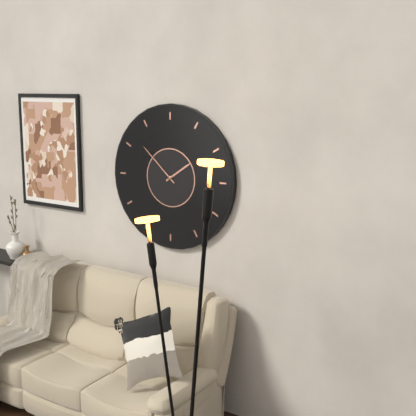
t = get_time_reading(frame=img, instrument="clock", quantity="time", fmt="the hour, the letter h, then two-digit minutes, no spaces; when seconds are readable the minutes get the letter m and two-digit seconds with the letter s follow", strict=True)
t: 1h52
